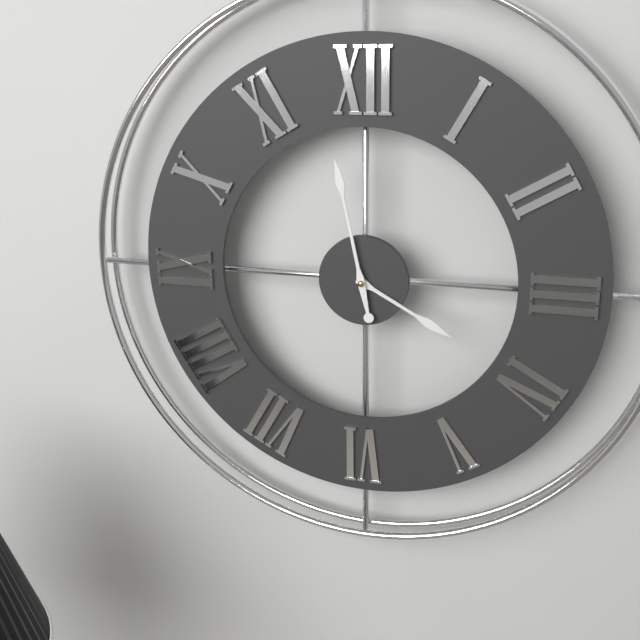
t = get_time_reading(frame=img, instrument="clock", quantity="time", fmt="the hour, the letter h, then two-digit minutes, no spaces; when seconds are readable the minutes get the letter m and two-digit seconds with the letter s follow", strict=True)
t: 3h58
